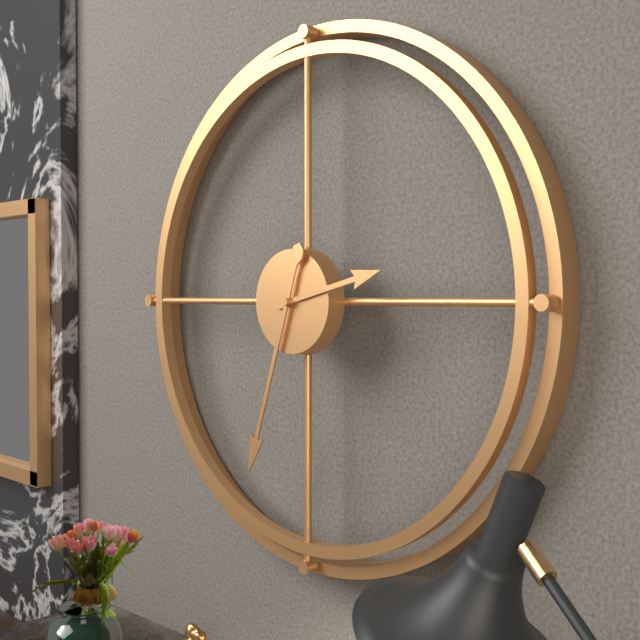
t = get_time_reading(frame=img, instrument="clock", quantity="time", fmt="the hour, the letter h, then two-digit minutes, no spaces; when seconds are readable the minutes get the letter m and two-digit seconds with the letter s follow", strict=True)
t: 2h33
